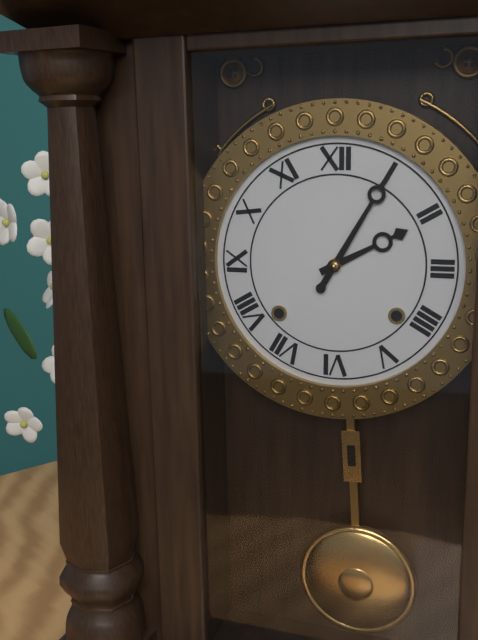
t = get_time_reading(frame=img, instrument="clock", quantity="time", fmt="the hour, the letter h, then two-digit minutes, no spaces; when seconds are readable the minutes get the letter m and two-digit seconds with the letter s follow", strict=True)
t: 2h05
